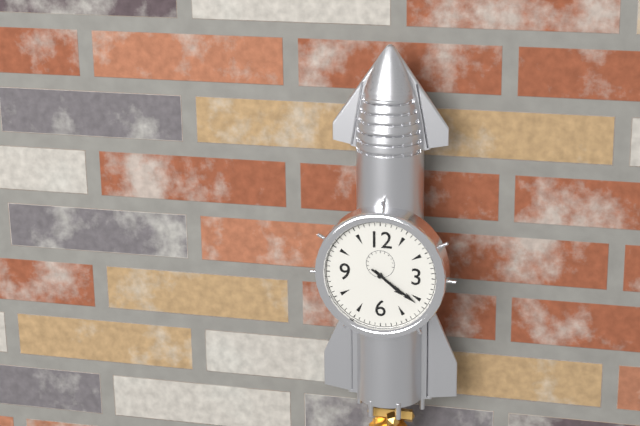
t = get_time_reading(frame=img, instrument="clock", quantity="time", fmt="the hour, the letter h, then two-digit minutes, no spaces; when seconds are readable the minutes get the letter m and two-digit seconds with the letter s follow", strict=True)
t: 4h21
